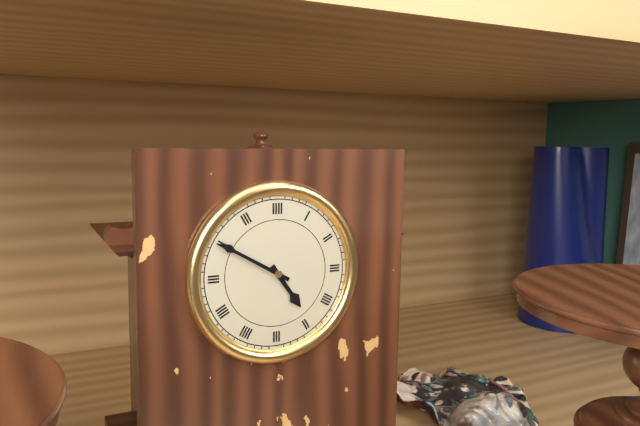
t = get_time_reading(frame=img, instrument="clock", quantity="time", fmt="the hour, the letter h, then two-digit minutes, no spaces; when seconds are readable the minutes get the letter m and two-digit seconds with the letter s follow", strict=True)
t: 4h50
